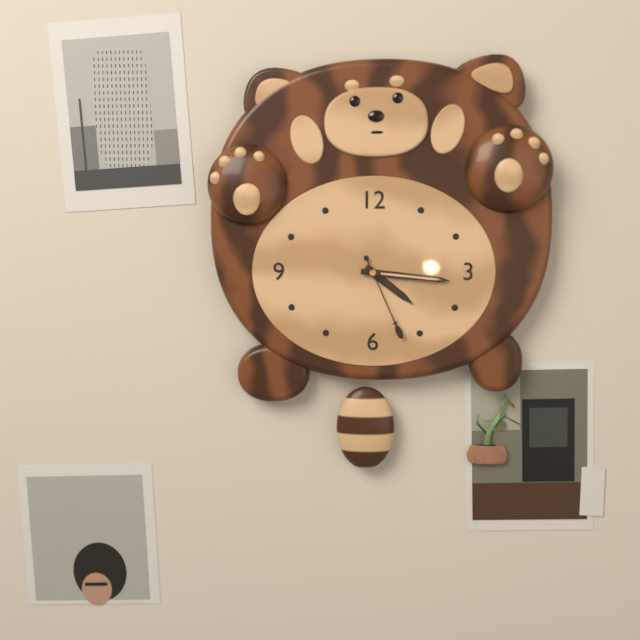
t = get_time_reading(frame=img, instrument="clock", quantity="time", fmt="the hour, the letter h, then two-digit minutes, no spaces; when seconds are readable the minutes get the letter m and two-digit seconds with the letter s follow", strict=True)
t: 4h16m26s
